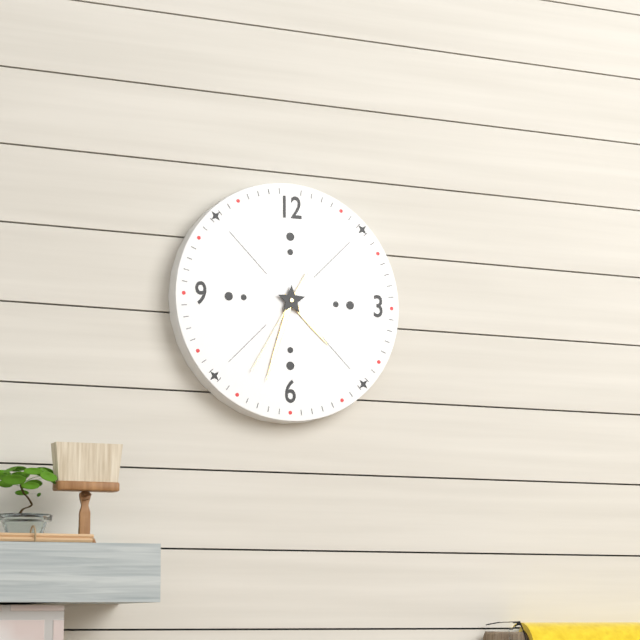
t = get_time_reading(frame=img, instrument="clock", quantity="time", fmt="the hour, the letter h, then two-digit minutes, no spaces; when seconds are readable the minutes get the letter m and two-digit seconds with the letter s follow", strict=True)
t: 4h33m35s
